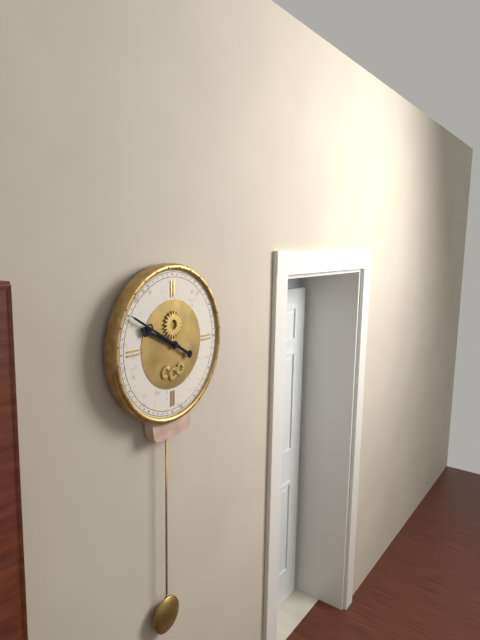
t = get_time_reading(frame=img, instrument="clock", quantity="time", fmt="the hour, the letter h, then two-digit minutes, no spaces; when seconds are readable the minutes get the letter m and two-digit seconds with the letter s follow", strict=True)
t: 9h50
